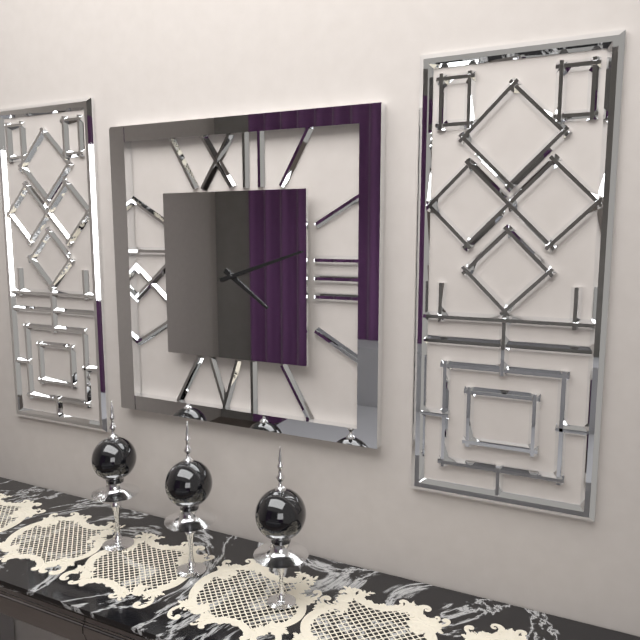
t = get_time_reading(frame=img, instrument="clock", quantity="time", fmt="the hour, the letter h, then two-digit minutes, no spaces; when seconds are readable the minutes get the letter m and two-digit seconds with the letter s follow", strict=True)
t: 4h12
